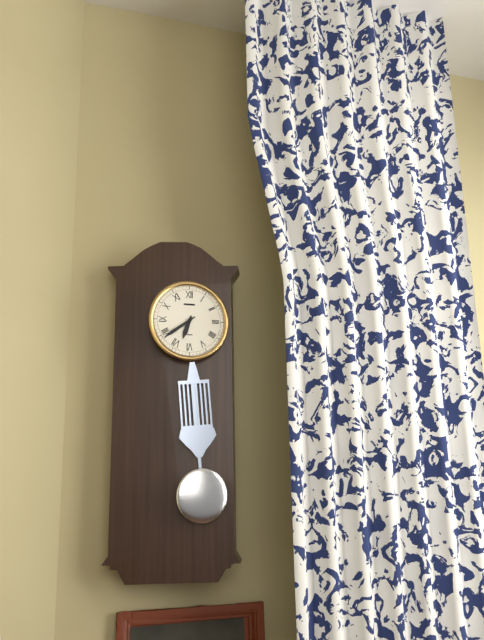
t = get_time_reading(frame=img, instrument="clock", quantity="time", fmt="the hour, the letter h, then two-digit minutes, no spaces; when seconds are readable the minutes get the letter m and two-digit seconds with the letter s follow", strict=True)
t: 6h39
